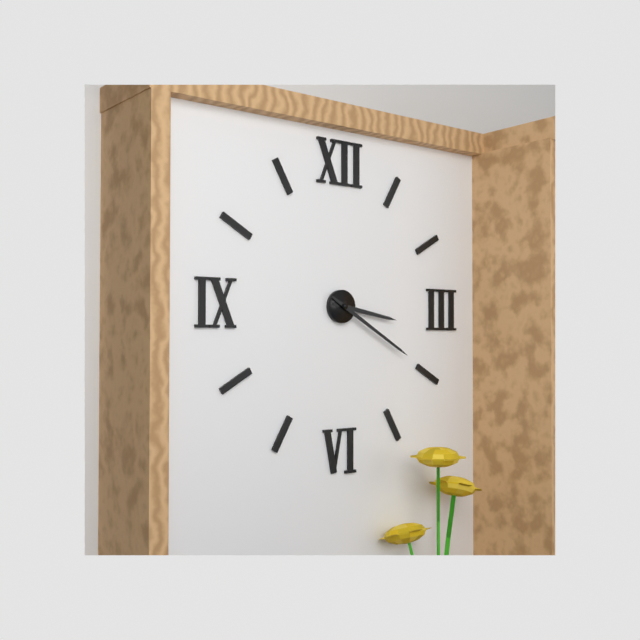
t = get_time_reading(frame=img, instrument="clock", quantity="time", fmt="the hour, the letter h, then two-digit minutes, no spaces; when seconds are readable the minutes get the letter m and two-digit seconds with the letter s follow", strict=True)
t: 3h20
